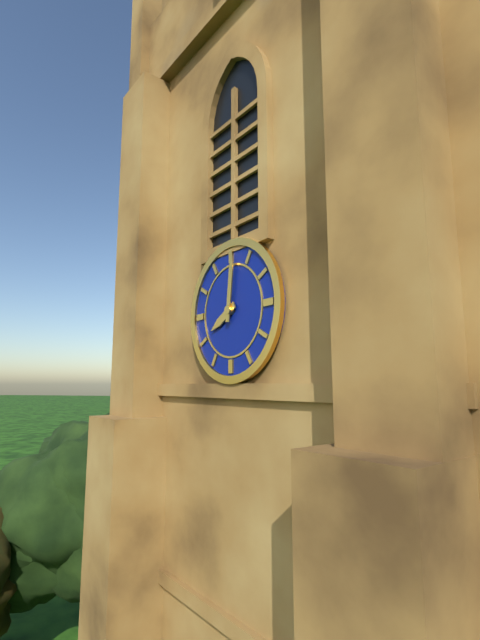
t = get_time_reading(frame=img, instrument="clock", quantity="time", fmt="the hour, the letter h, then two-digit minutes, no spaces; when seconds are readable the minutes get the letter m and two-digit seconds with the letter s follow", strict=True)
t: 8h01
